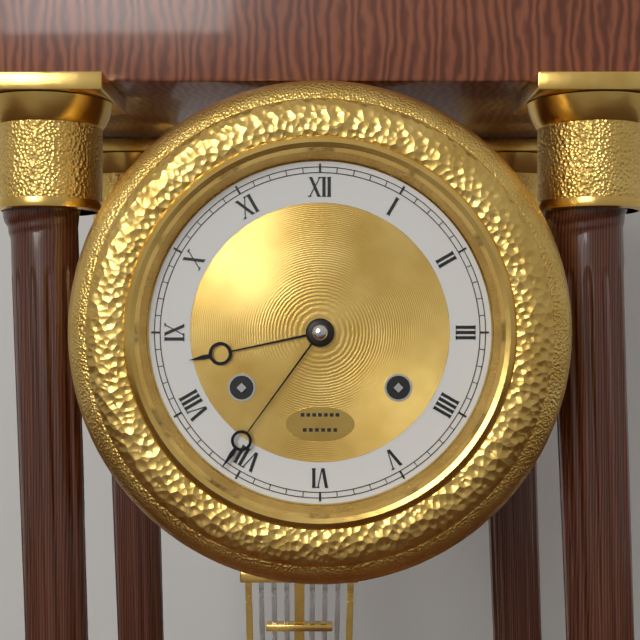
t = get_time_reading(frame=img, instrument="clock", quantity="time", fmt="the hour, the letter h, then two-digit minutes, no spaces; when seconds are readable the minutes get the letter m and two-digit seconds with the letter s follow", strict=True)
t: 8h36
